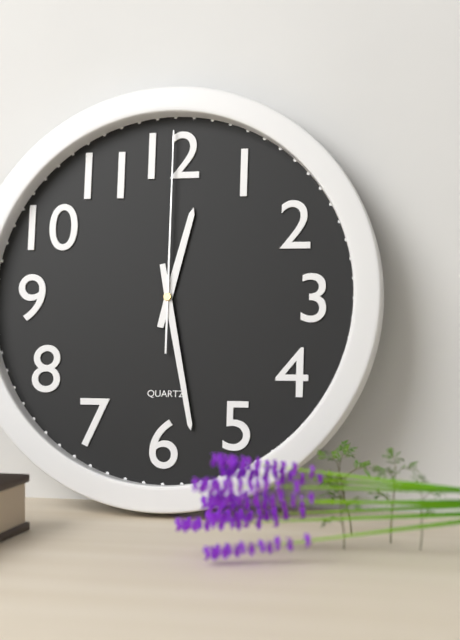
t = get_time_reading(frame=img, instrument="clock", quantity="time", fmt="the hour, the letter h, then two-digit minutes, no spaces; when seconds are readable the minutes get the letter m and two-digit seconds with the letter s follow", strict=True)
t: 12h28m00s
